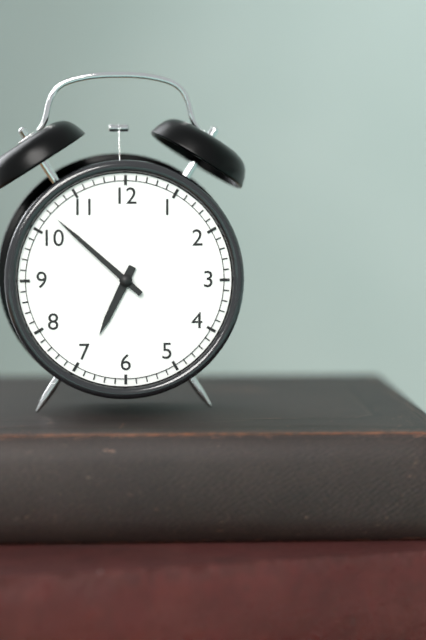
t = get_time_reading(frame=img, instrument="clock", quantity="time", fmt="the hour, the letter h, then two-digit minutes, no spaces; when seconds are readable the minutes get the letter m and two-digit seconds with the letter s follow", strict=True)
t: 6h52
